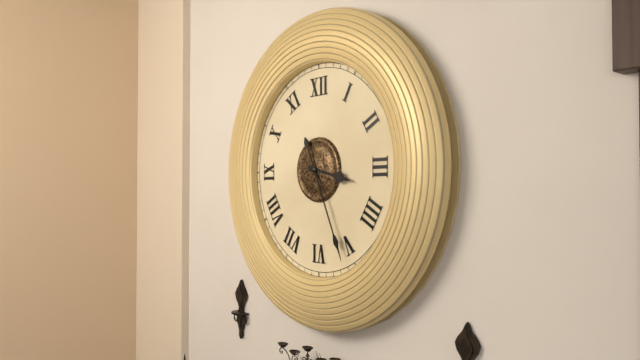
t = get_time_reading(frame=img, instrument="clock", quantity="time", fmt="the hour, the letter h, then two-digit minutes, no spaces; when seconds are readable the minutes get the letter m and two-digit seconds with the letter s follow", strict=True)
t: 3h26
